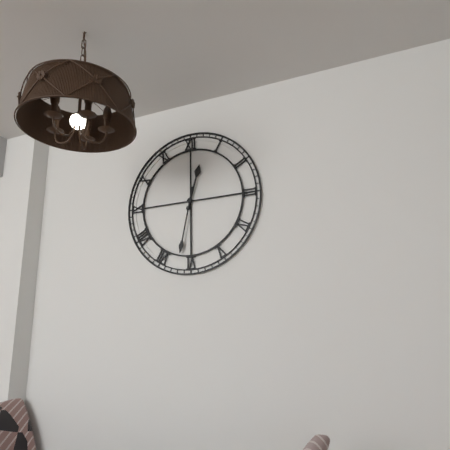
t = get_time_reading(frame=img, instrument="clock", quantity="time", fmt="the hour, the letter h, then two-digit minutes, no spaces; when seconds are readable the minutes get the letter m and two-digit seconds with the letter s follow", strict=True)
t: 12h32
